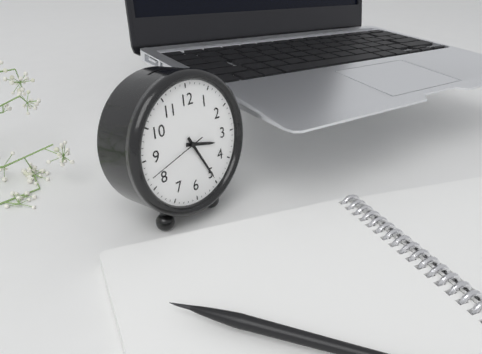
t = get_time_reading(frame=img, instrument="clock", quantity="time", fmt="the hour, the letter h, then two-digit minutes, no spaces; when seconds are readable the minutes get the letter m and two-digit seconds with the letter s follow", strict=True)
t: 3h25m42s
